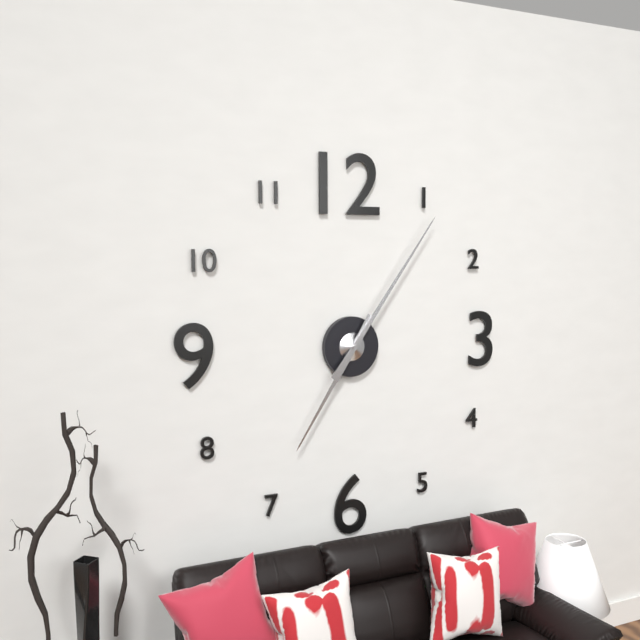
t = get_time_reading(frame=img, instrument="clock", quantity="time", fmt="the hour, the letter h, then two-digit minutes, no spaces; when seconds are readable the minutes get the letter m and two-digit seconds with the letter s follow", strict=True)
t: 7h06
